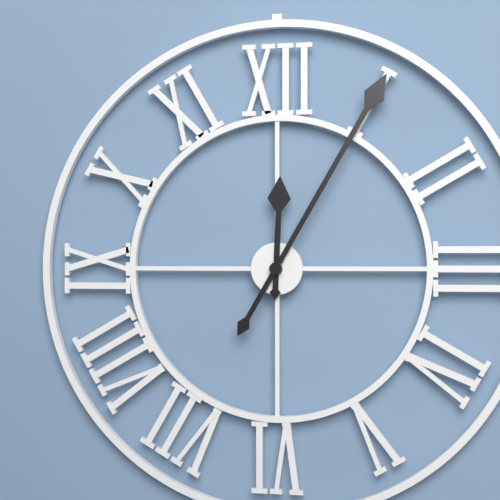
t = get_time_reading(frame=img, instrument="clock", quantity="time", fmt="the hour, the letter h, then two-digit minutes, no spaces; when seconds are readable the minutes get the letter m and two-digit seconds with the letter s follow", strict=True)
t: 12h05
